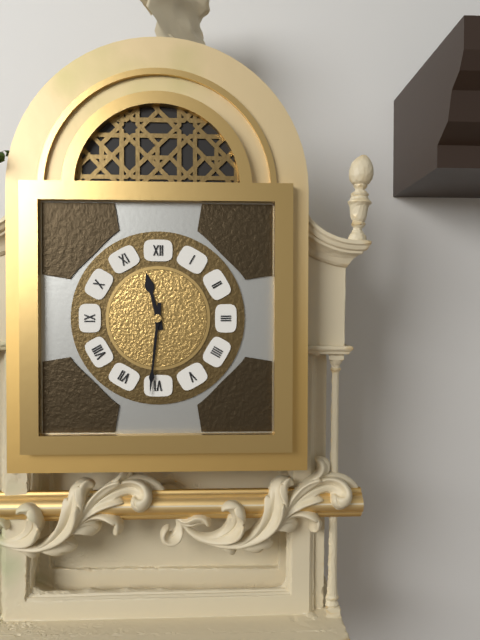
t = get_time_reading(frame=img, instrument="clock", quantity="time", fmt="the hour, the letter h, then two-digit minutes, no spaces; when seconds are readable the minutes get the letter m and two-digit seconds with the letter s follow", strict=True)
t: 11h31
